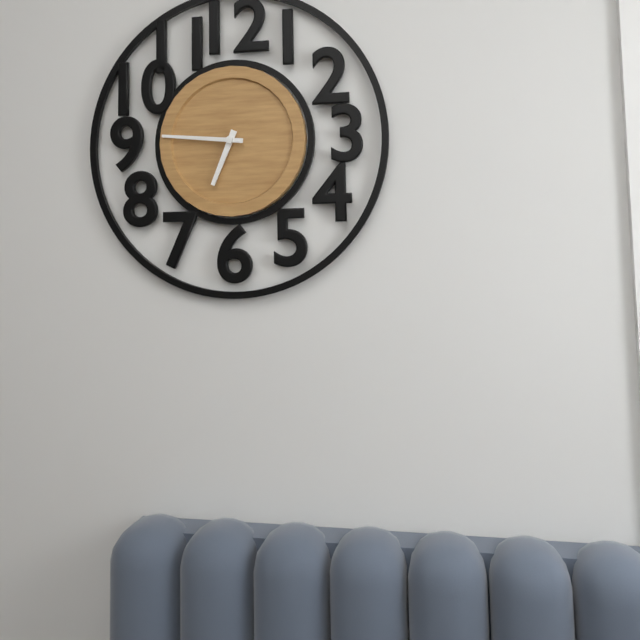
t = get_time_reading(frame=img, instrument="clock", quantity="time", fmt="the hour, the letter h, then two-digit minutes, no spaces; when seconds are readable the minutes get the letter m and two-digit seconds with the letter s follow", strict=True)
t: 6h46
